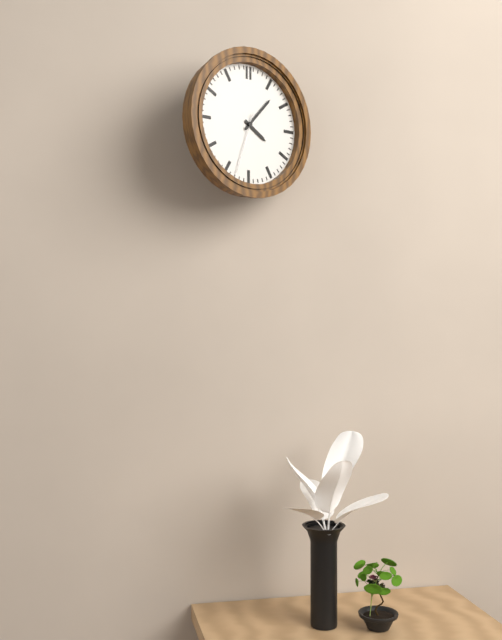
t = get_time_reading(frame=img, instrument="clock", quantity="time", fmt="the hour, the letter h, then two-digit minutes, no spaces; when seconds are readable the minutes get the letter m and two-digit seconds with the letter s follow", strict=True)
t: 4h07m33s
